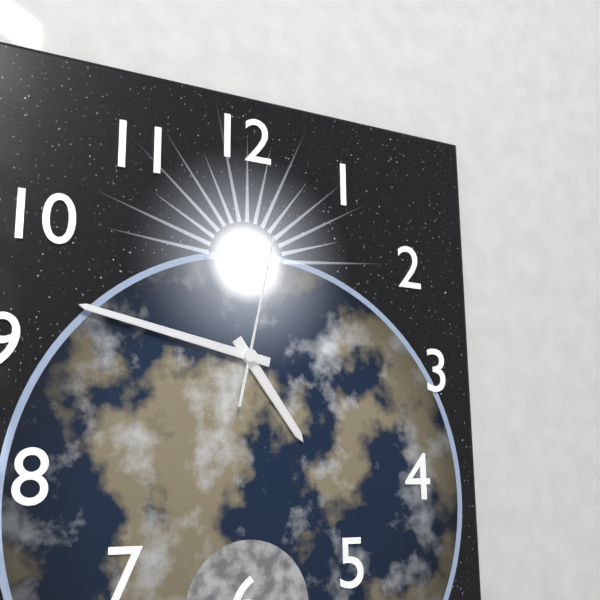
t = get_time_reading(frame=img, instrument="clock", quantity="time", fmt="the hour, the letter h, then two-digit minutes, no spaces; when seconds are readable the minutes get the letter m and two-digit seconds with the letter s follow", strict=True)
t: 4h47m02s
